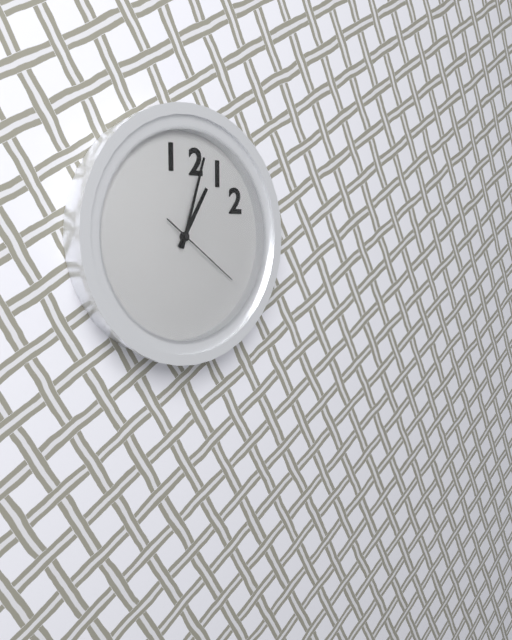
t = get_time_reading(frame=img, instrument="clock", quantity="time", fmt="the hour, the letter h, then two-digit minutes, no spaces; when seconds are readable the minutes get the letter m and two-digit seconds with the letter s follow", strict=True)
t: 1h03m21s
